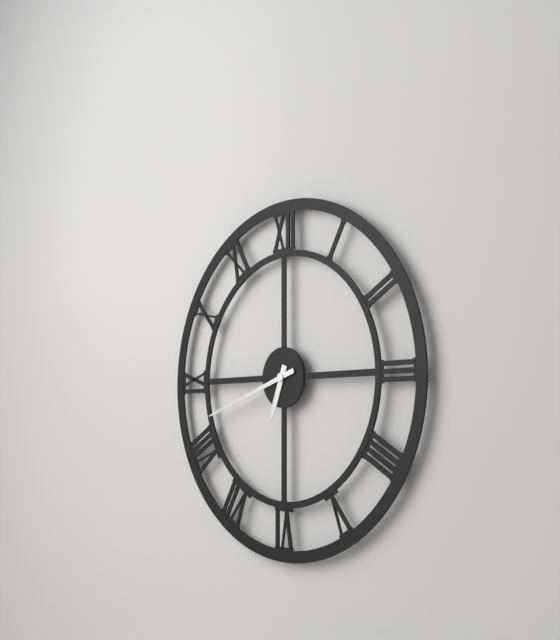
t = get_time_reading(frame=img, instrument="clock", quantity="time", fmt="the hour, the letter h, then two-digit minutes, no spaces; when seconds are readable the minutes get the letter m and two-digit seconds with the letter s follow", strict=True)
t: 6h42
